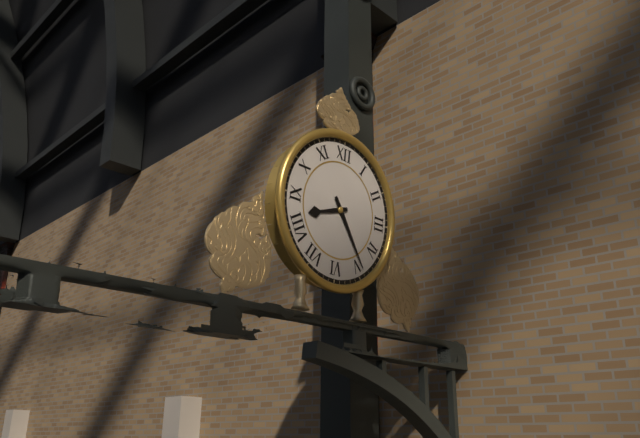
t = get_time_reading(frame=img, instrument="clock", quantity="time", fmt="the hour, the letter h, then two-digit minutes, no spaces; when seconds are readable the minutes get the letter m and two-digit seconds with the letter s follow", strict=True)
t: 8h24
